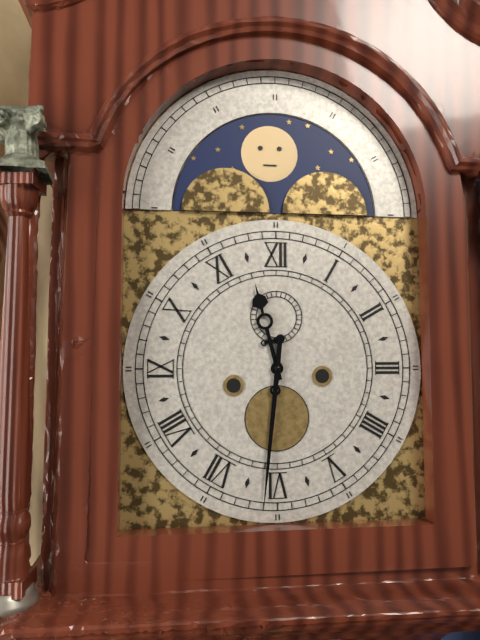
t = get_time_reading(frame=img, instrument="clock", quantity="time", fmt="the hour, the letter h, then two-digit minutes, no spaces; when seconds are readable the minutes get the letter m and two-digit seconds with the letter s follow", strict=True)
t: 11h31
